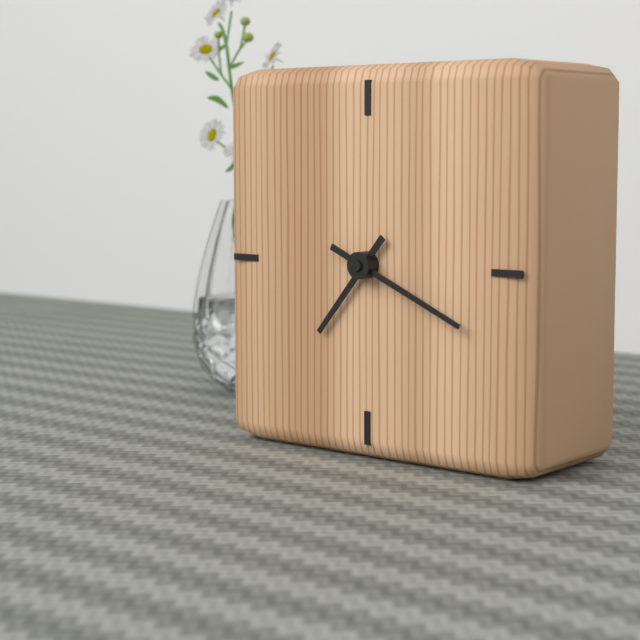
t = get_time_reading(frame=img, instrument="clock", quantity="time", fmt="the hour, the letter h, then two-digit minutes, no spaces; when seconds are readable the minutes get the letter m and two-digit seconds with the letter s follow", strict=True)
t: 7h19
